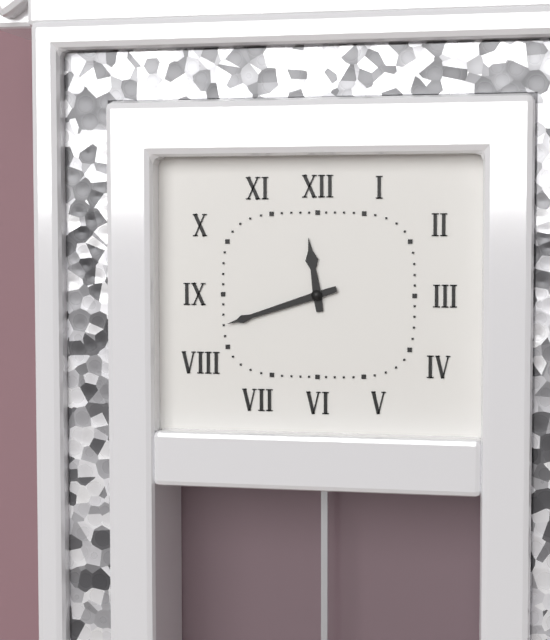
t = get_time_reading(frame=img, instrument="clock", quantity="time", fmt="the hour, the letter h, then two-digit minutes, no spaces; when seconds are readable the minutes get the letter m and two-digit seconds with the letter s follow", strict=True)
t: 11h42
